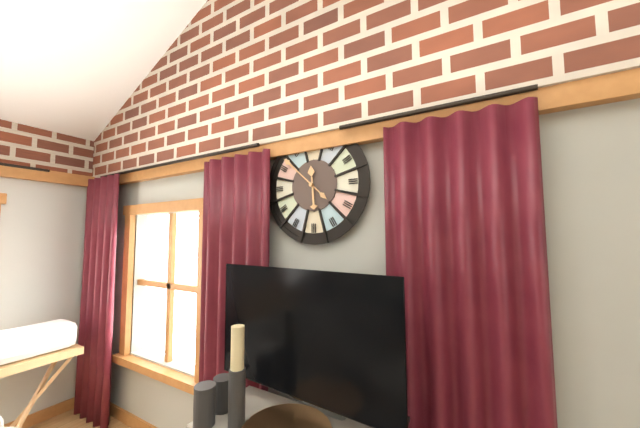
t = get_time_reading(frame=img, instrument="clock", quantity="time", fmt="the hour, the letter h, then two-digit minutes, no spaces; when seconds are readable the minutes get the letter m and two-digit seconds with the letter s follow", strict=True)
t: 5h52
